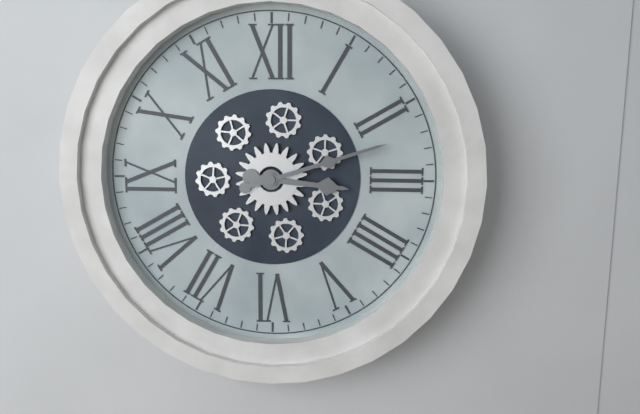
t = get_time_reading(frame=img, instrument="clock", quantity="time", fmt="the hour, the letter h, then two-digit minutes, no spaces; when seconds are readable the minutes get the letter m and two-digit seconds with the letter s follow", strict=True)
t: 3h12
